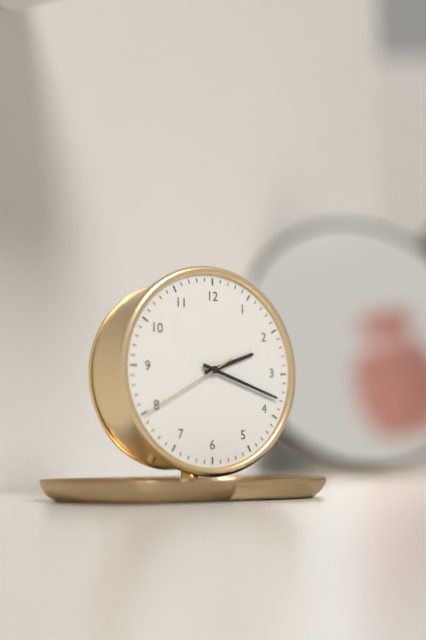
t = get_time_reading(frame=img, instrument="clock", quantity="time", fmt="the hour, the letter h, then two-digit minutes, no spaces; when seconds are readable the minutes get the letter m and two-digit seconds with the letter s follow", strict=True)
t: 2h18m40s
